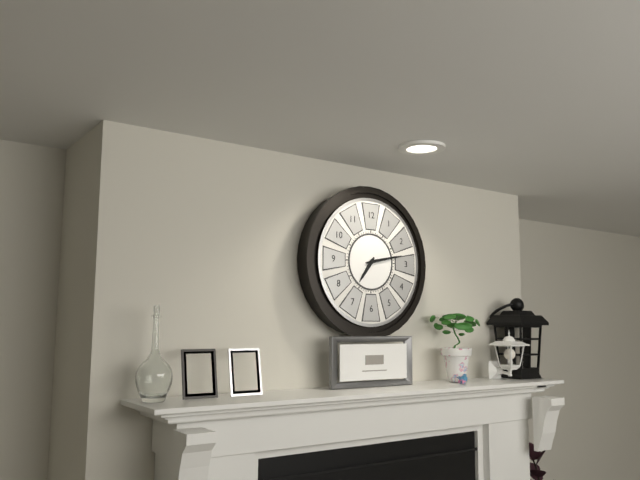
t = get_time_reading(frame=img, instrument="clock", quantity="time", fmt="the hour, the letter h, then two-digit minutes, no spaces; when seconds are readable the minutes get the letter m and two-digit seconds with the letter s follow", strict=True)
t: 7h13
